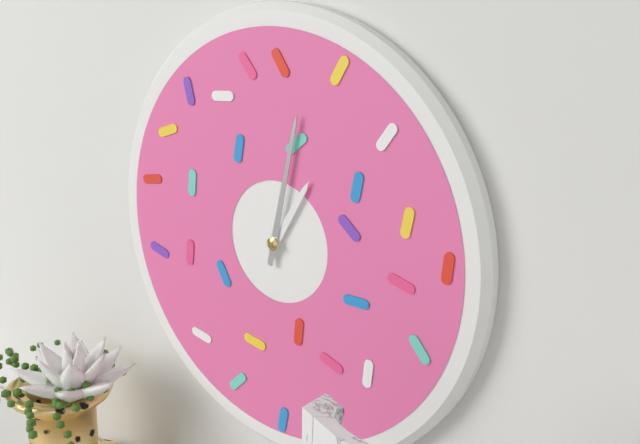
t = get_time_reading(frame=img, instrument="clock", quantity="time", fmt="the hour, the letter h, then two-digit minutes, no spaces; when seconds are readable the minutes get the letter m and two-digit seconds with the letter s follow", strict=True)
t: 1h02
